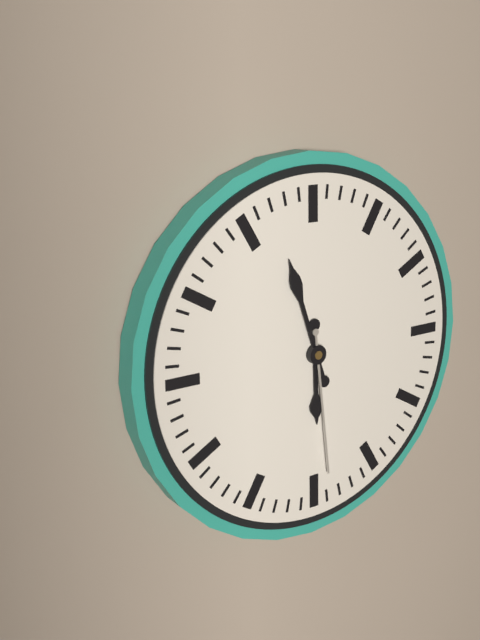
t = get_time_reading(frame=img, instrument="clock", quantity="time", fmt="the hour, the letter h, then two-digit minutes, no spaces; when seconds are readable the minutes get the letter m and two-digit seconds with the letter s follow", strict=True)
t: 5h57m29s
